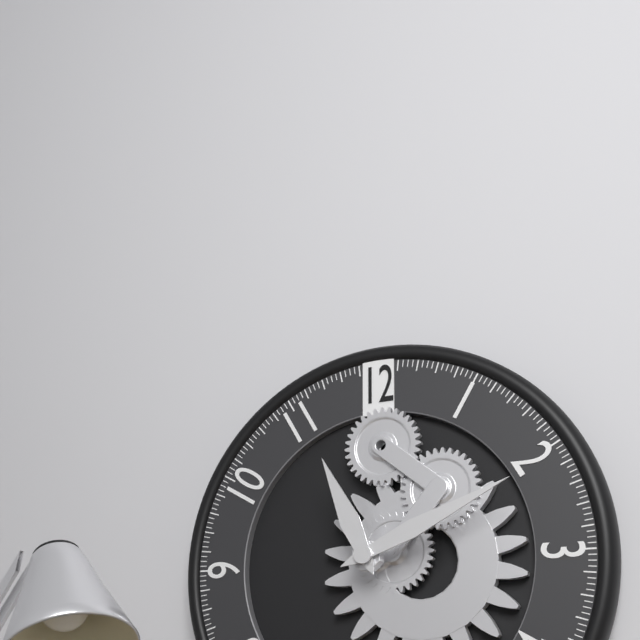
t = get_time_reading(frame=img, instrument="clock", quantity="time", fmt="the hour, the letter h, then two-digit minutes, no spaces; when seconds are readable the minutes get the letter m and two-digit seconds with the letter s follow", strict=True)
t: 11h11
